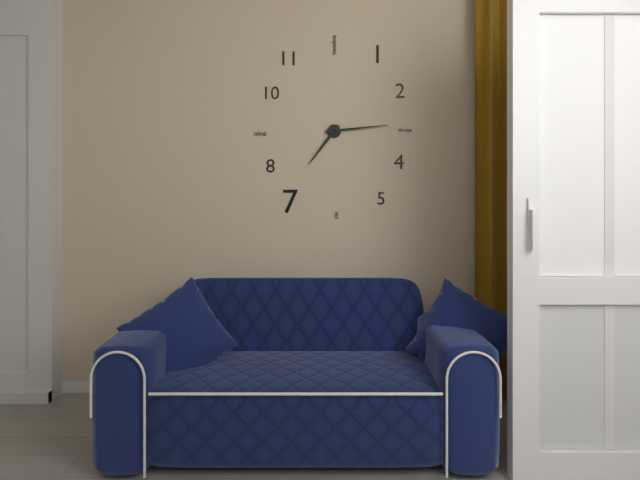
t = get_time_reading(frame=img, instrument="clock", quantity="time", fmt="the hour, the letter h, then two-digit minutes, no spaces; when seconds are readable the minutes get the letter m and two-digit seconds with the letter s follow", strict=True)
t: 7h14
